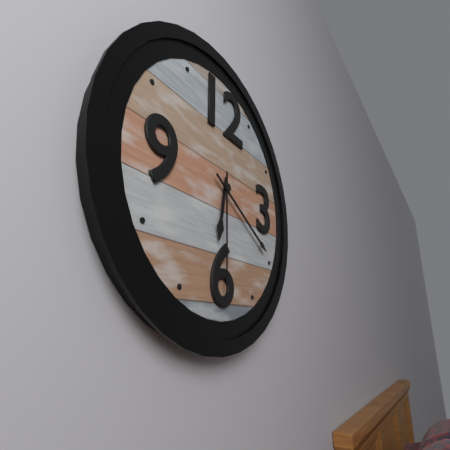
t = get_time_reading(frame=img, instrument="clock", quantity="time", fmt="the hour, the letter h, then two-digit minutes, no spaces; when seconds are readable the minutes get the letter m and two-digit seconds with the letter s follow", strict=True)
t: 6h20m30s
